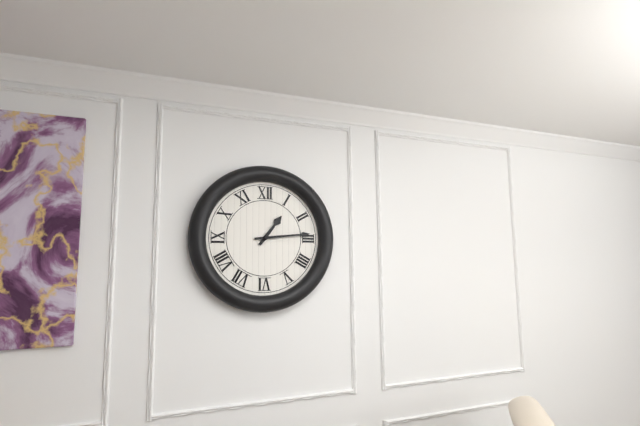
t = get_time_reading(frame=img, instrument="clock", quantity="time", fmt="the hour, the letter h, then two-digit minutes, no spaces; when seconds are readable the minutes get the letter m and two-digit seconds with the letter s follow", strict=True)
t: 1h14
